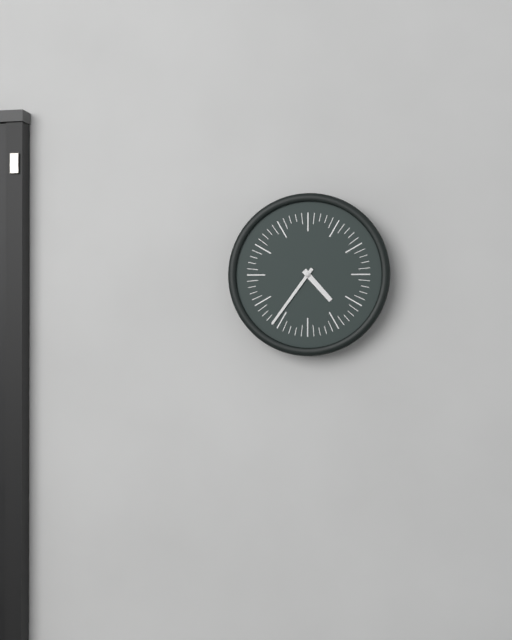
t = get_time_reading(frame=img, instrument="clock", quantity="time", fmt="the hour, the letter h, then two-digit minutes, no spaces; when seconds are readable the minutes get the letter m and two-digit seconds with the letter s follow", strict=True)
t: 4h36
